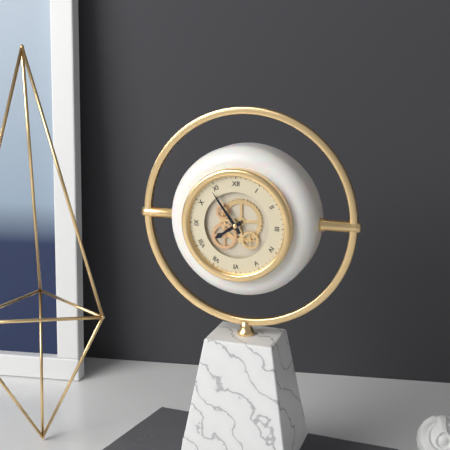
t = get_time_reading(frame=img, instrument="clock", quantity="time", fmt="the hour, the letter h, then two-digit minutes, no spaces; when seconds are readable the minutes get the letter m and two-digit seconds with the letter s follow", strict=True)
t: 7h54
